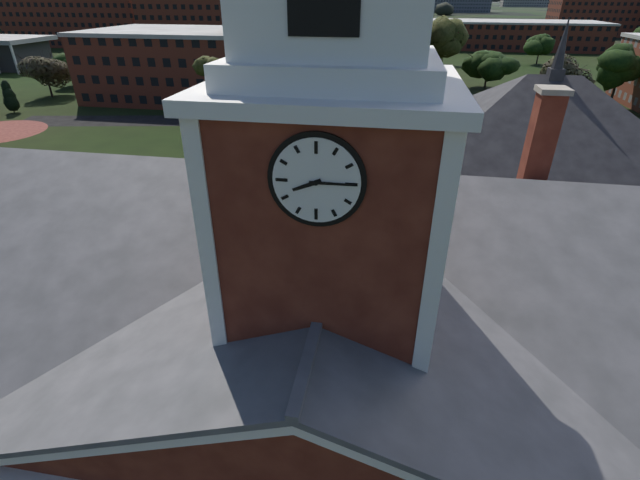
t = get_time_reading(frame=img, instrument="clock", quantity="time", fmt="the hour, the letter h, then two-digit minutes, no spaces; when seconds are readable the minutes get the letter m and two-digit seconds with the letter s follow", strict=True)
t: 8h15
